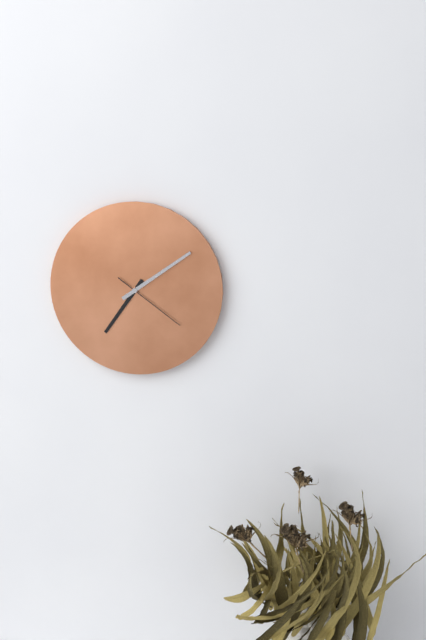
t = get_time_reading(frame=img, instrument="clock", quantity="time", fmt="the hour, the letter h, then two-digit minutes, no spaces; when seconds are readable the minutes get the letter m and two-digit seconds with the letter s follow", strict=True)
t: 7h09m21s
